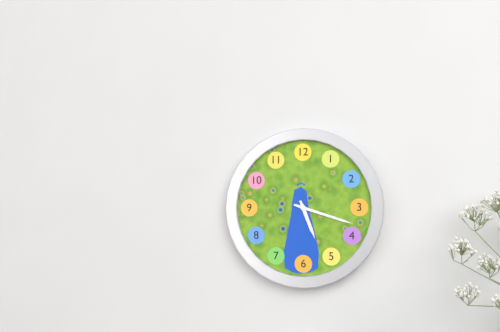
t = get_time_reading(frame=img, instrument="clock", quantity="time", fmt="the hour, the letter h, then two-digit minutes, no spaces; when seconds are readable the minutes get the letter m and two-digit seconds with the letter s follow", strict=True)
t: 5h18
